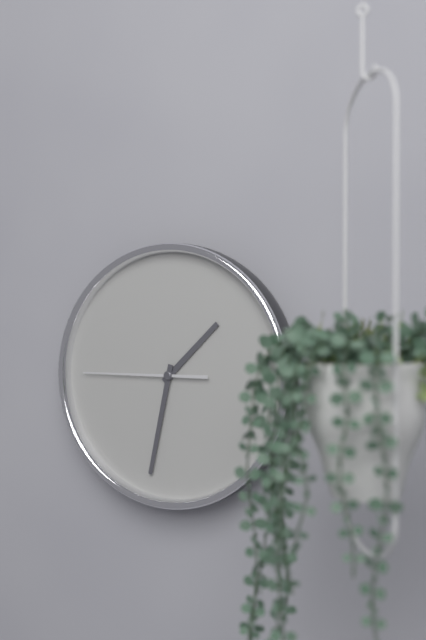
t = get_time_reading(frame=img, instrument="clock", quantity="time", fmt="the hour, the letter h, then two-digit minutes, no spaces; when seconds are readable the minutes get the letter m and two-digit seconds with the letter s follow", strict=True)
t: 1h32m45s
